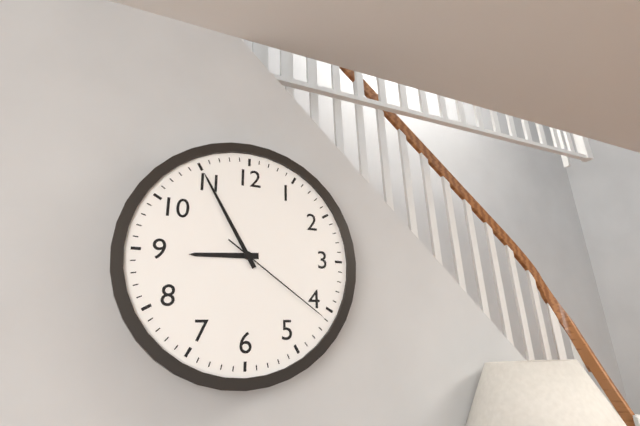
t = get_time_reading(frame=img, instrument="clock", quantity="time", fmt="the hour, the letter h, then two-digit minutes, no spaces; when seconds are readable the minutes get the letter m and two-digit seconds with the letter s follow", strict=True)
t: 8h55m21s
